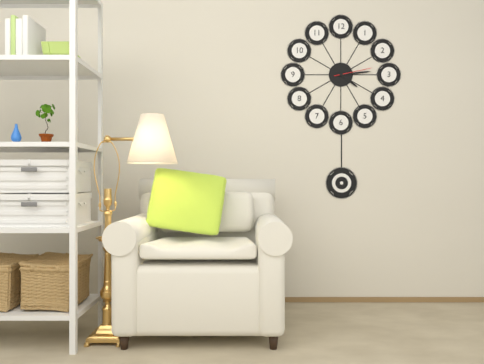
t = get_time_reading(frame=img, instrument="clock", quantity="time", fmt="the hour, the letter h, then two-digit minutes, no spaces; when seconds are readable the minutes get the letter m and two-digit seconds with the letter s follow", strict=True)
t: 4h14
